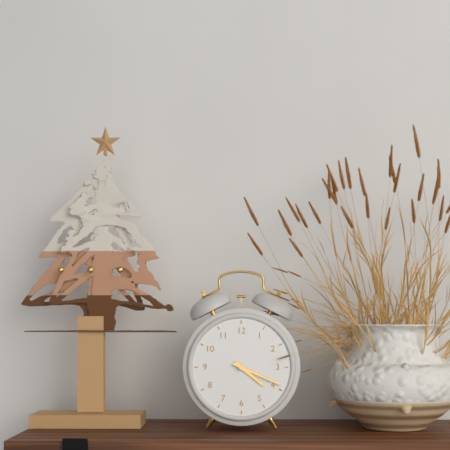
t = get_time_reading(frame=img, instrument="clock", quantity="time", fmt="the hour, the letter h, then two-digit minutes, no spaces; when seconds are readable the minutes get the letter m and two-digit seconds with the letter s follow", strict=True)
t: 4h19
